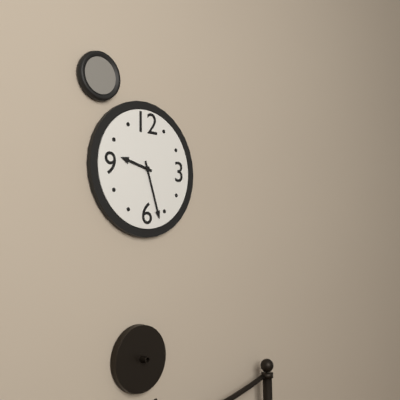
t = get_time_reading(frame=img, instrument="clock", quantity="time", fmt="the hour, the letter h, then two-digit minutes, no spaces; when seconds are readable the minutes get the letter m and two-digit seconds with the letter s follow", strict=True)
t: 9h27
